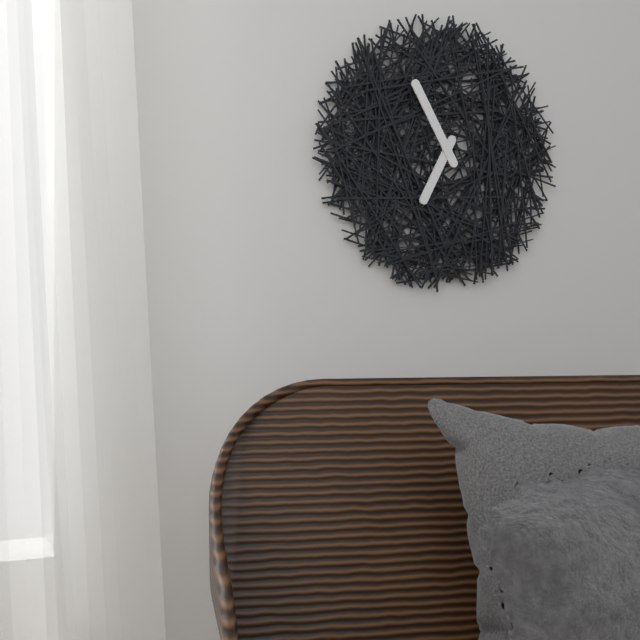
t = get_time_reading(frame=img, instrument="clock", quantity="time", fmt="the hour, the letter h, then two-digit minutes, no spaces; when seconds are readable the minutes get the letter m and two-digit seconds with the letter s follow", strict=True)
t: 6h55
